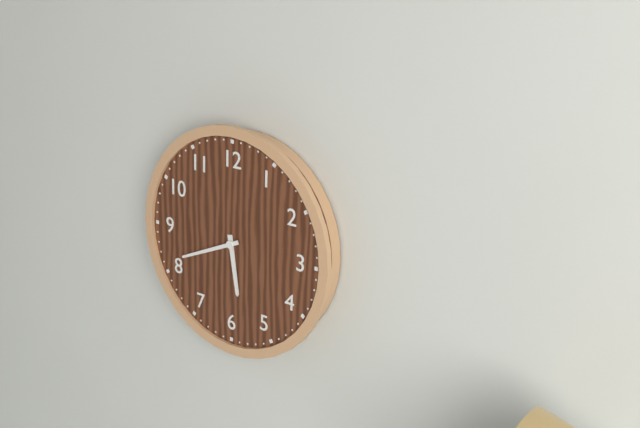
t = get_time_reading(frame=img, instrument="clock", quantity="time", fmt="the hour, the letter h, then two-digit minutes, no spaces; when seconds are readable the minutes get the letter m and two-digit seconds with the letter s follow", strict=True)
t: 5h41
